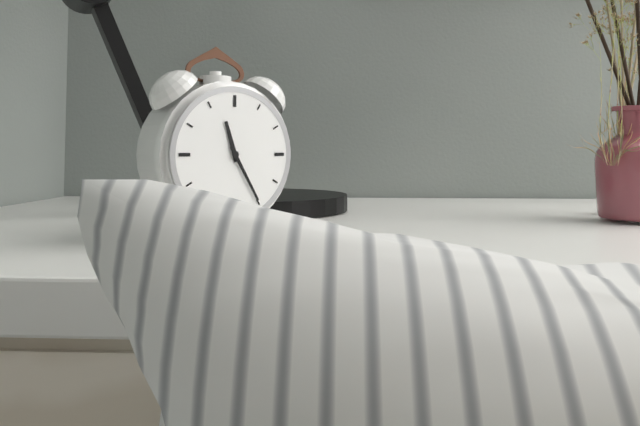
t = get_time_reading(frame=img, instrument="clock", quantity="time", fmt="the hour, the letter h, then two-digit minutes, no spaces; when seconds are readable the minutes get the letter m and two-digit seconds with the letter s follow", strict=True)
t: 11h25
